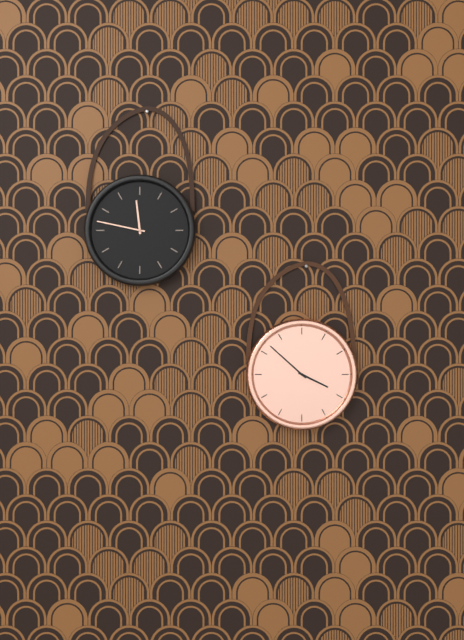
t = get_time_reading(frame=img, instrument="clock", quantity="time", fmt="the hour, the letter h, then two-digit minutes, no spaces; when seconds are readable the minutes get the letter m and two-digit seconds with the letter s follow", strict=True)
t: 3h52
